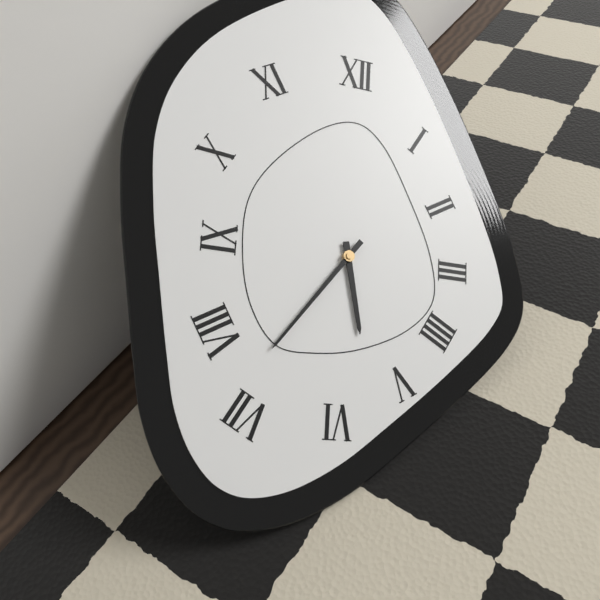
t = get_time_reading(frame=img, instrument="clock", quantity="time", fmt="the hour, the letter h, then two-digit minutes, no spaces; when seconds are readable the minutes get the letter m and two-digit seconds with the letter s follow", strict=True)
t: 5h36
